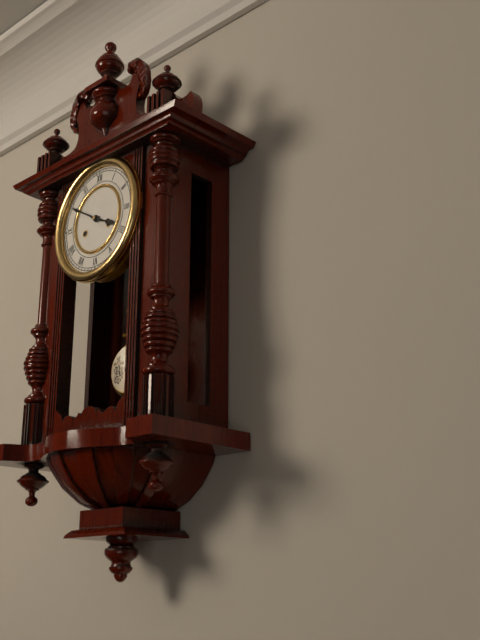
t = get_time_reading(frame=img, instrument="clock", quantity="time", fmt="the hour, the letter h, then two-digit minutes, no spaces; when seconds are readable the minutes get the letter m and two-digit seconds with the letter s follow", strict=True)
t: 3h50
